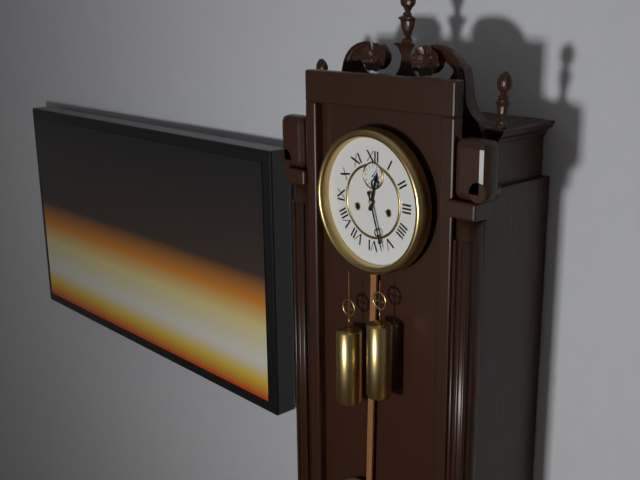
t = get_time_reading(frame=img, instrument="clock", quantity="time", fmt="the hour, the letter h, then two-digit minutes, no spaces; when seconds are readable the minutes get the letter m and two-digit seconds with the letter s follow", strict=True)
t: 12h27
